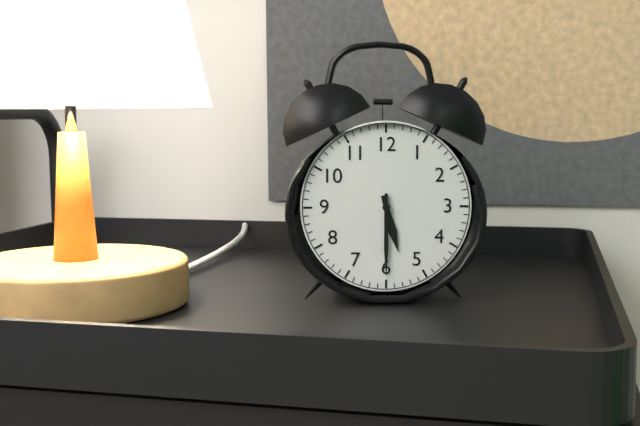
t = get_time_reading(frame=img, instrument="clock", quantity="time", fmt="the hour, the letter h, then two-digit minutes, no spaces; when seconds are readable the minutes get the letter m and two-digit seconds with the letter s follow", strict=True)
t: 5h30
